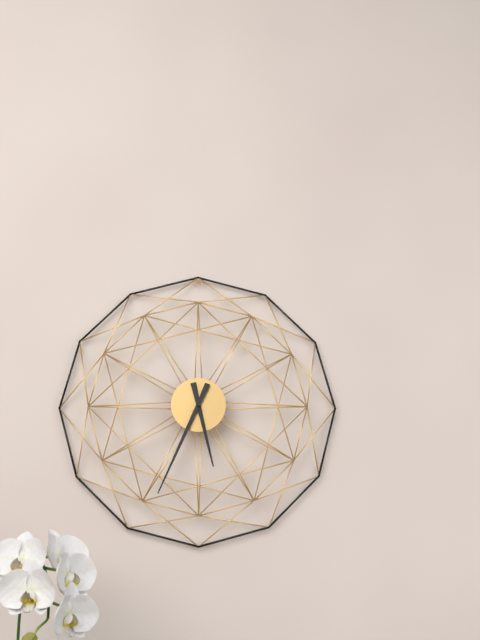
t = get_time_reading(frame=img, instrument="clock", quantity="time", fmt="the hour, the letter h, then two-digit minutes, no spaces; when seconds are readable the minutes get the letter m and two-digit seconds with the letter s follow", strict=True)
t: 5h34
